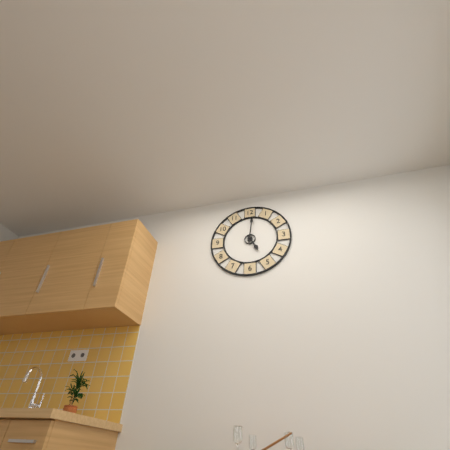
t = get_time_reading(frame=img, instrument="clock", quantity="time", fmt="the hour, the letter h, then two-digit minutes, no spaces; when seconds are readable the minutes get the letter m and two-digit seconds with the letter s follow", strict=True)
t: 5h01
